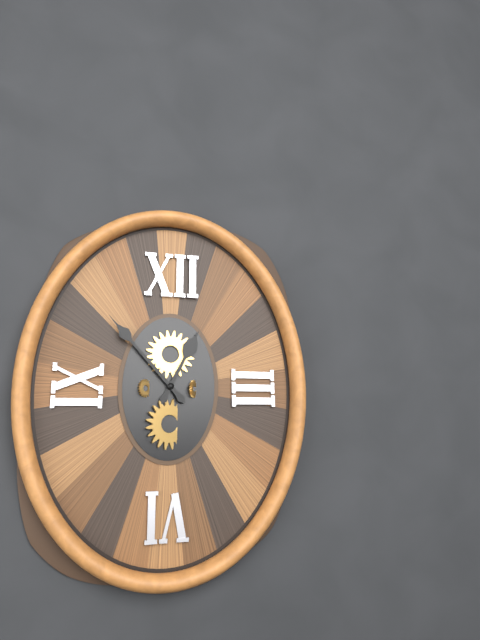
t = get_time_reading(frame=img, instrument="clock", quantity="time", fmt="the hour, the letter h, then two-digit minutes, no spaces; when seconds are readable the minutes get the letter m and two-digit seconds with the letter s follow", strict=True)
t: 12h53
